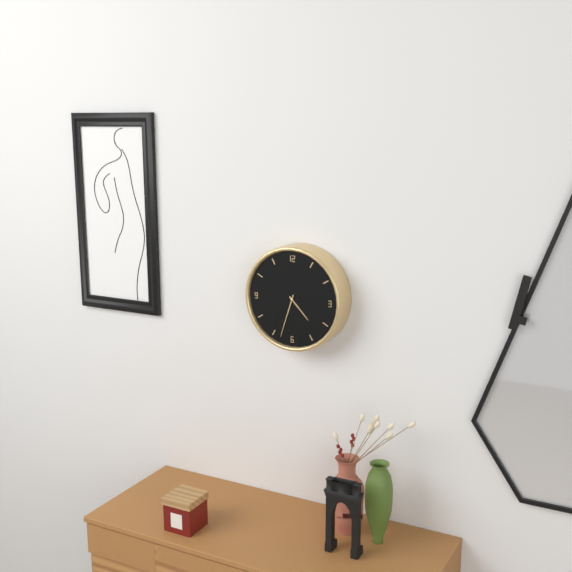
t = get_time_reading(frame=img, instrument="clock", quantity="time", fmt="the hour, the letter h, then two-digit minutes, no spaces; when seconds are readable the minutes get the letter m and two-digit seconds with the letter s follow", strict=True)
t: 4h33
